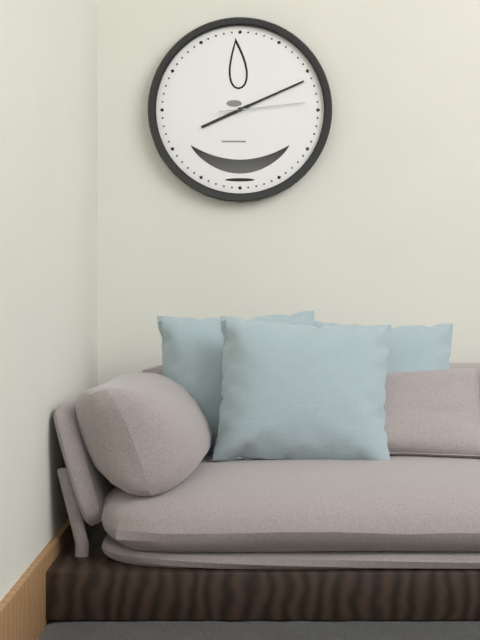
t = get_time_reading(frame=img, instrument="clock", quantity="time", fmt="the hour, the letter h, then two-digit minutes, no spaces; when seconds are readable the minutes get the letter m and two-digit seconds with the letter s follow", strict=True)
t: 8h11m14s
